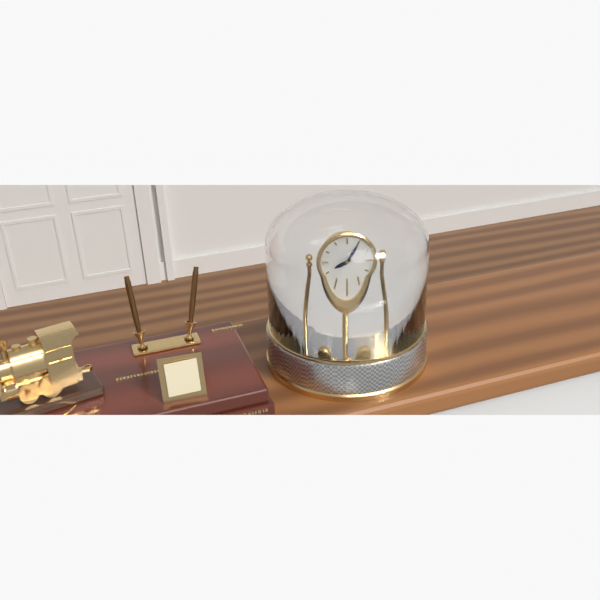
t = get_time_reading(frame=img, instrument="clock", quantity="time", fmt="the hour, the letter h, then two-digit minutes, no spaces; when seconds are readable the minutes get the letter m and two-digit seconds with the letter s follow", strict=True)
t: 8h05
